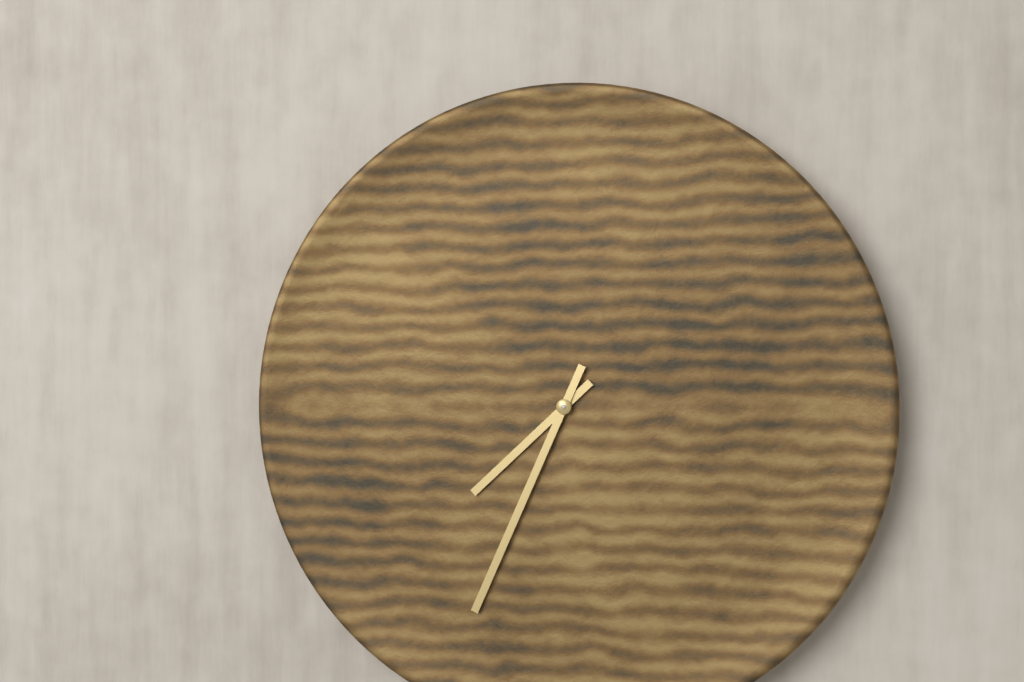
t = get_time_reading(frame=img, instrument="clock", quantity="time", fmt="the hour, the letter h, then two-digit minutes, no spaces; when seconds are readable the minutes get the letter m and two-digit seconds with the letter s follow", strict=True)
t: 7h34
